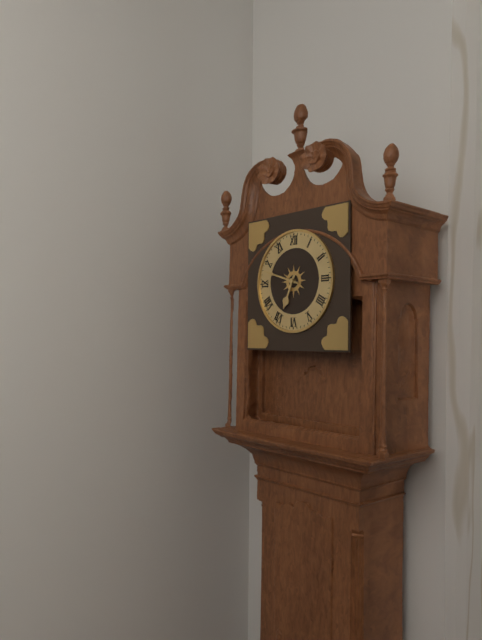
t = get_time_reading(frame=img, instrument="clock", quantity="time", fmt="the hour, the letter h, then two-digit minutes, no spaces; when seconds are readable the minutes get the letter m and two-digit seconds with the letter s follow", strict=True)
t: 6h48
